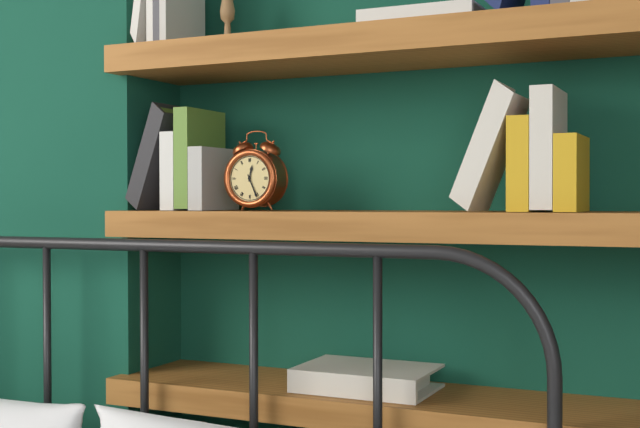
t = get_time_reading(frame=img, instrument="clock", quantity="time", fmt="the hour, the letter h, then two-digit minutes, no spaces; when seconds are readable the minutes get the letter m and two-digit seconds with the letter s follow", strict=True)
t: 12h26
